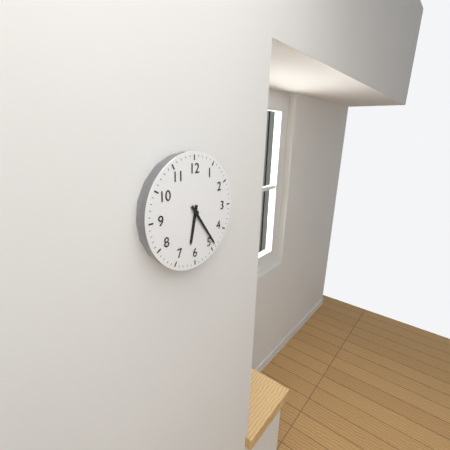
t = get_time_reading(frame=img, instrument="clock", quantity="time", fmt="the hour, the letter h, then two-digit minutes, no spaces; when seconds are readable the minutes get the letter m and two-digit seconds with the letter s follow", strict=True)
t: 6h24
